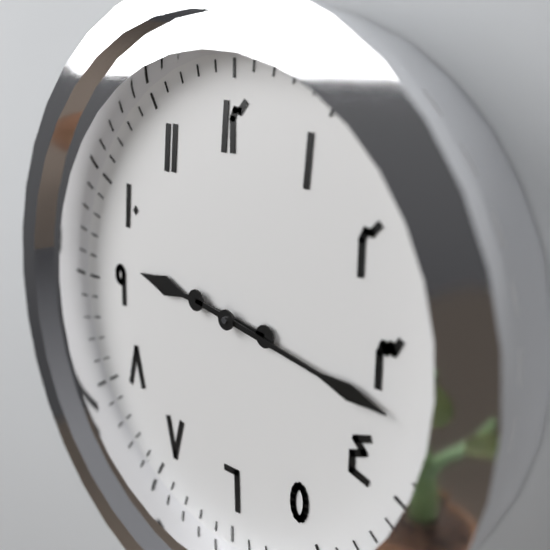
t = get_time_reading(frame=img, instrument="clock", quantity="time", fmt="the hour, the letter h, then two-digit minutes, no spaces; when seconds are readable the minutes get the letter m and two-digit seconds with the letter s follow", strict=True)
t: 9h17
